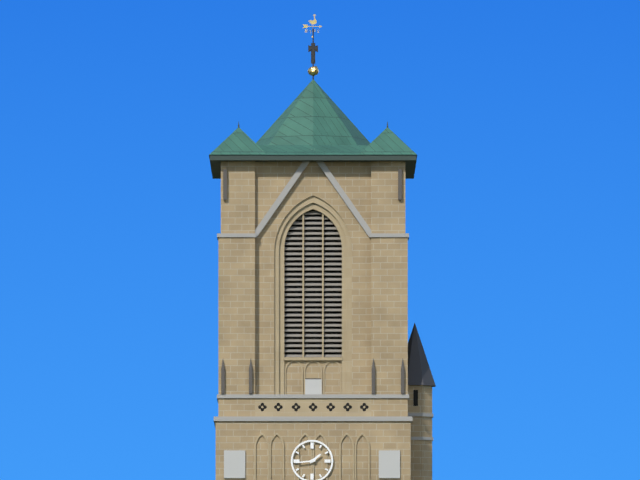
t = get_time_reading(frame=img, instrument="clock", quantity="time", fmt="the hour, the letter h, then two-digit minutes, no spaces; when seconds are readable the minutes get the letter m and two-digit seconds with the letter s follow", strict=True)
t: 1h44
